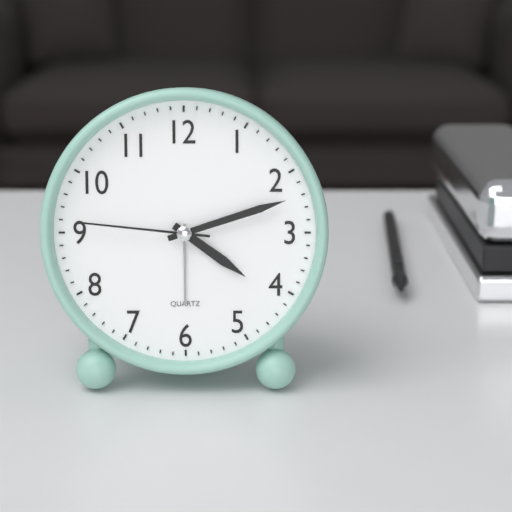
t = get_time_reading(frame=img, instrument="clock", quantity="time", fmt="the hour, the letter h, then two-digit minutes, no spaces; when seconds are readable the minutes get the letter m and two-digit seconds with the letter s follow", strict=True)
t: 4h12m46s
